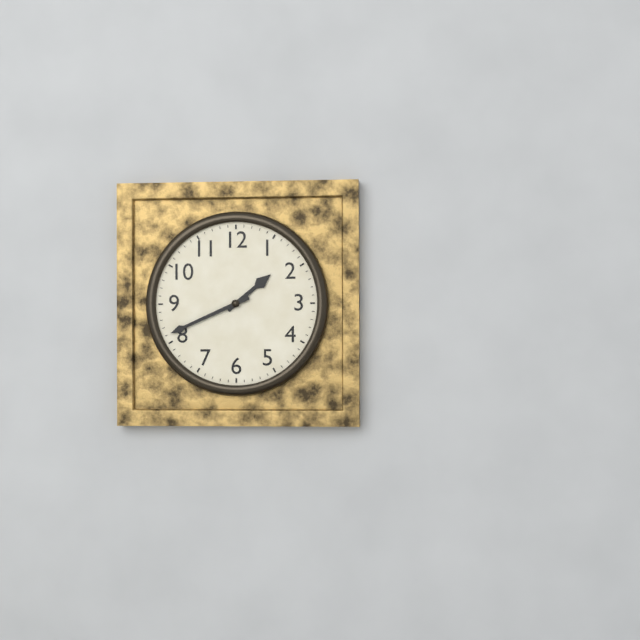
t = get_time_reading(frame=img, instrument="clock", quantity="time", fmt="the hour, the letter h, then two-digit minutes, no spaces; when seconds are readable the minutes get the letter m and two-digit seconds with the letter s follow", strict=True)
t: 1h41
